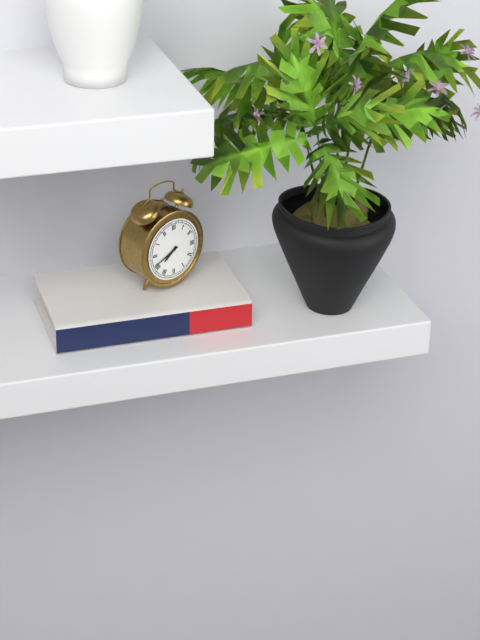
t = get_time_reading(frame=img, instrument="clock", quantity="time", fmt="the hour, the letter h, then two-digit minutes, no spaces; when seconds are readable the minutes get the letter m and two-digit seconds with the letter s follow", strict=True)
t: 7h41
